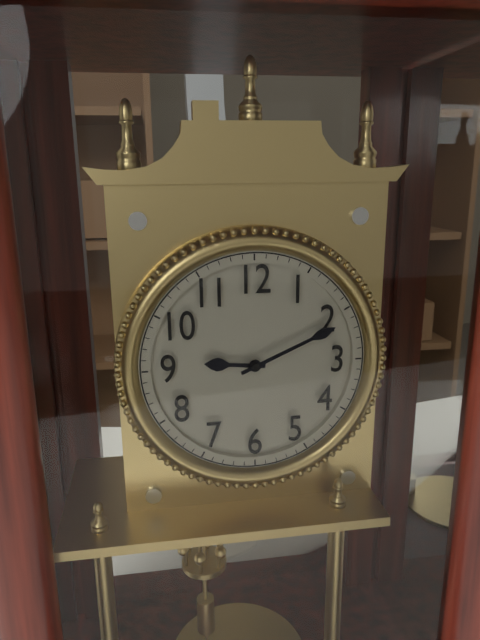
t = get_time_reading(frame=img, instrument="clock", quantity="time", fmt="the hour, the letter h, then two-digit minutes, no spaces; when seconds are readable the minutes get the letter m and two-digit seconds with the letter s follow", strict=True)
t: 9h11
